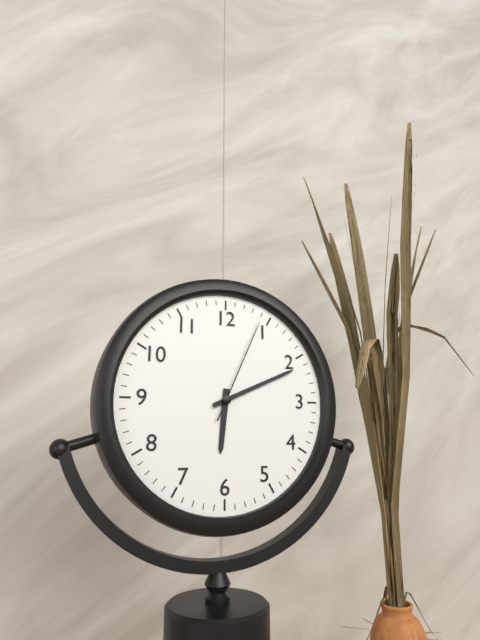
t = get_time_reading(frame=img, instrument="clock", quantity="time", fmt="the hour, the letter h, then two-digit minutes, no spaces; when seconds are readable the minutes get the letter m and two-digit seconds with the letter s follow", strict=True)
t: 6h11m04s
